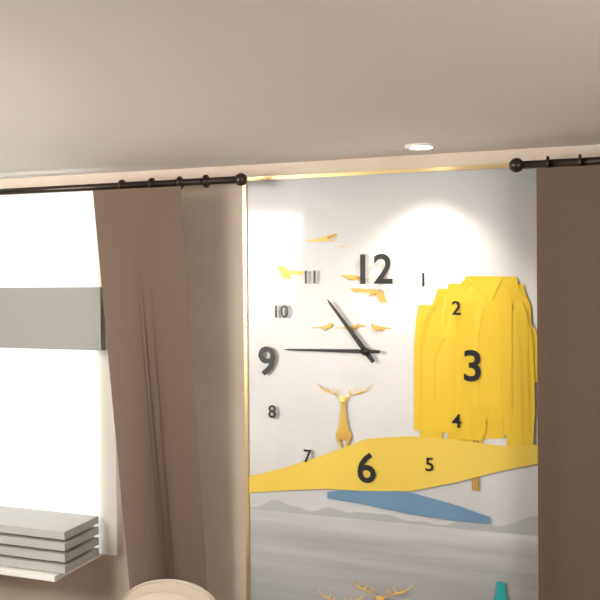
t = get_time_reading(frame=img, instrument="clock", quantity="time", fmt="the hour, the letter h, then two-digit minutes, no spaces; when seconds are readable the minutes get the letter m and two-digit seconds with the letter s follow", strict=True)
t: 10h45
